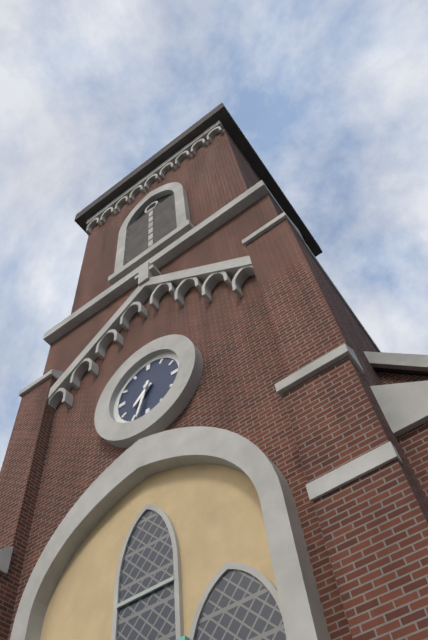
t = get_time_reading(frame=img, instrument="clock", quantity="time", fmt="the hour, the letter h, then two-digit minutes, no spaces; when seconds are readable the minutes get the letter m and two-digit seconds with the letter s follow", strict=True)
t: 7h33
